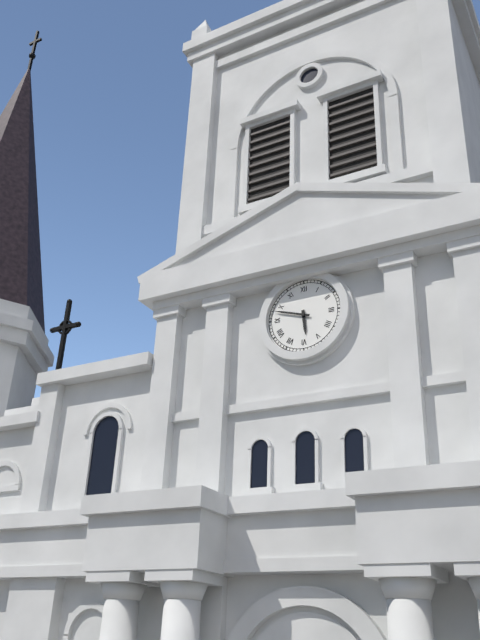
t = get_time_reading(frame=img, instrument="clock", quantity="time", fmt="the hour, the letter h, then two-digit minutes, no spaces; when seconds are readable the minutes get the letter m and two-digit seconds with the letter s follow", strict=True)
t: 5h48
